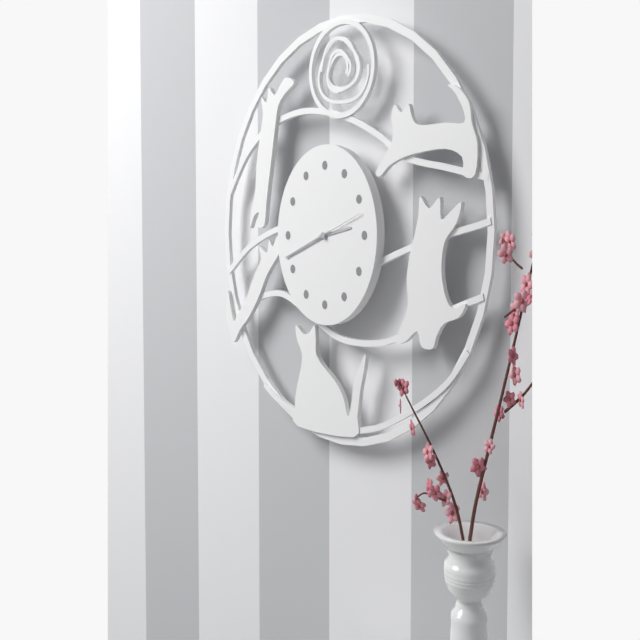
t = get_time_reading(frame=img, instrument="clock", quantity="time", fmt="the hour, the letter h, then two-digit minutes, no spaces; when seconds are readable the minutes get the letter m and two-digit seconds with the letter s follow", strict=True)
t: 2h42m12s
